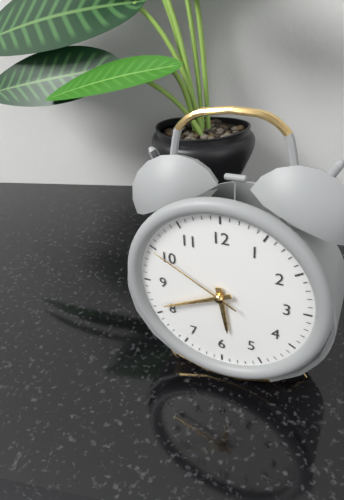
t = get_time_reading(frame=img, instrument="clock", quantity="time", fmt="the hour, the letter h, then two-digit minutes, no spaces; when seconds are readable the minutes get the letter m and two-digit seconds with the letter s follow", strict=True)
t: 5h41m50s
